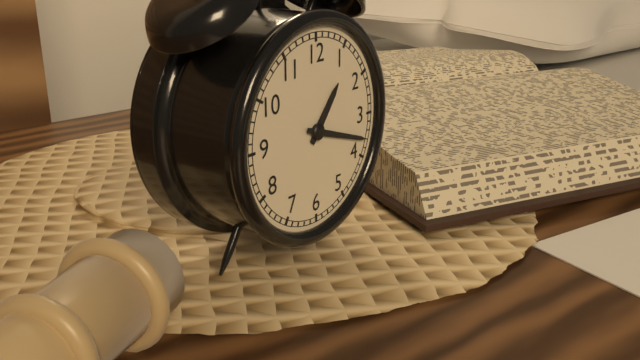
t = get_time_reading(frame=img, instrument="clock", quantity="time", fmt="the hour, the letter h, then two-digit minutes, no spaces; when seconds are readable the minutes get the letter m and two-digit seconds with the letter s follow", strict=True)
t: 1h18
